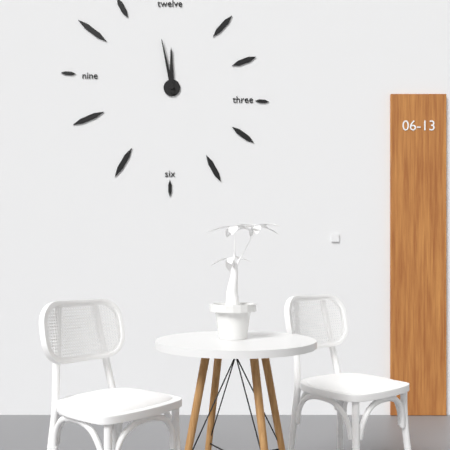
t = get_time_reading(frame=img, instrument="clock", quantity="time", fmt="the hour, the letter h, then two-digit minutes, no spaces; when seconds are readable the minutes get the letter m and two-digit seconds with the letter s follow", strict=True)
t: 11h58
